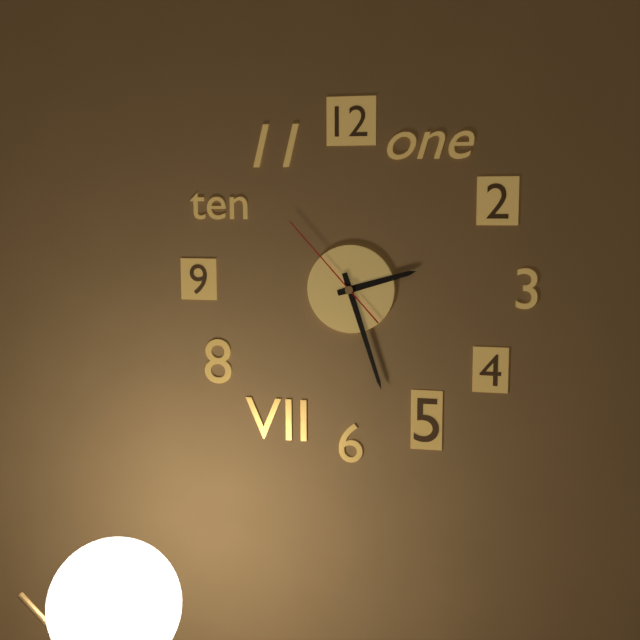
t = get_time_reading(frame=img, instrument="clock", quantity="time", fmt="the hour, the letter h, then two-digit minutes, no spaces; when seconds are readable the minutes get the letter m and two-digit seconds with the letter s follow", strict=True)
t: 2h27m53s
